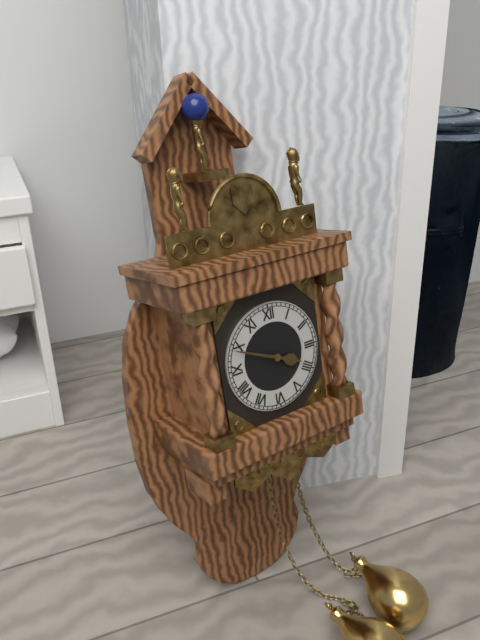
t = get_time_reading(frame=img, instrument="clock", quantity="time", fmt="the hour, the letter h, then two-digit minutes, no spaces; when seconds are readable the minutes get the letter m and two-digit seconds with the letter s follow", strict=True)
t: 3h49
